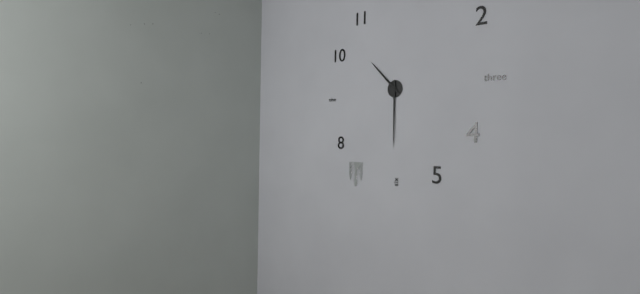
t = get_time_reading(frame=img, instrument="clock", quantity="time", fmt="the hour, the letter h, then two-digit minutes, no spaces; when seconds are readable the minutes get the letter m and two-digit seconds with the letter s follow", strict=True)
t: 10h30
